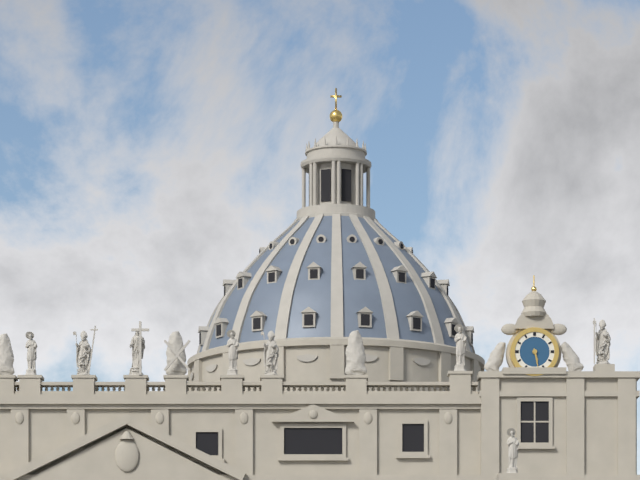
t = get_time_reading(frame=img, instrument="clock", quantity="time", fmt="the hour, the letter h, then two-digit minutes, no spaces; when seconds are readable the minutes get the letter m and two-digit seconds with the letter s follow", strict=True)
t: 5h28
